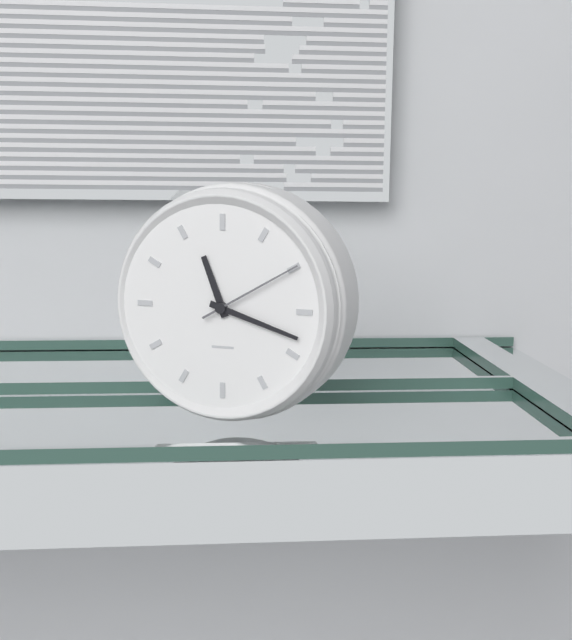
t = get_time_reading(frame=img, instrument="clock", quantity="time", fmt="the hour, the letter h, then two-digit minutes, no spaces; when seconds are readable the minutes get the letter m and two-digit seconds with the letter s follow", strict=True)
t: 11h18m10s
